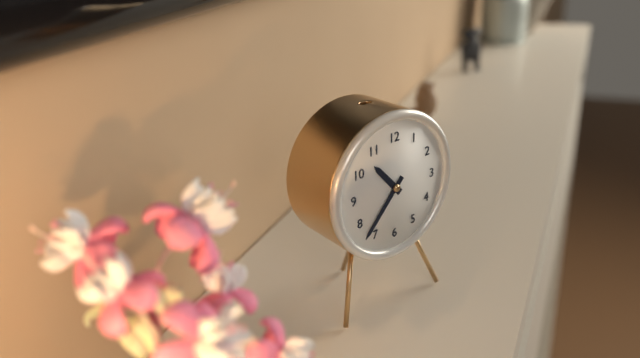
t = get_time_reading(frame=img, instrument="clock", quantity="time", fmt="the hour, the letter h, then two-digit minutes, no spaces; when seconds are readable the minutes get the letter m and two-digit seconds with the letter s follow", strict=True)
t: 10h37
